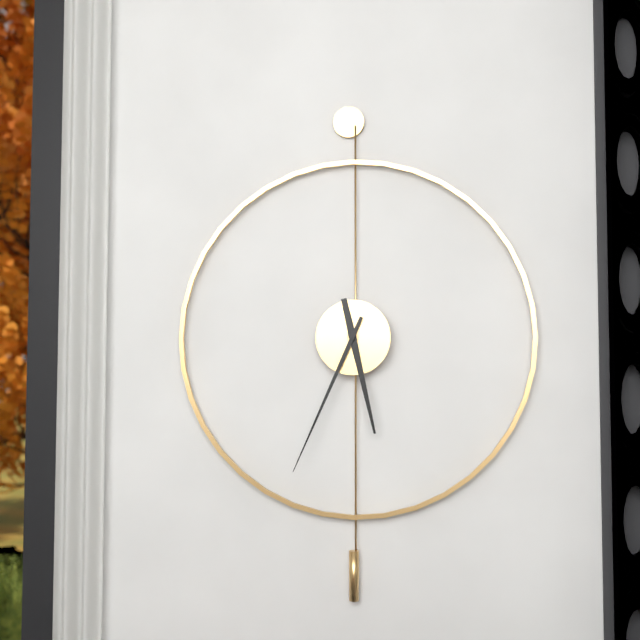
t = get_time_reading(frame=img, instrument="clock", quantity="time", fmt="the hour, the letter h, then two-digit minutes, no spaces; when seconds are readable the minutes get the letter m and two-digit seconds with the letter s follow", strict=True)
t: 5h34
